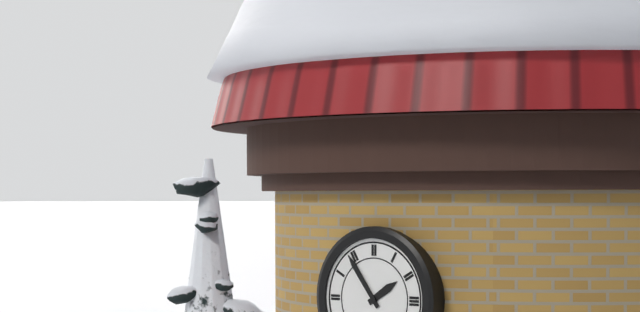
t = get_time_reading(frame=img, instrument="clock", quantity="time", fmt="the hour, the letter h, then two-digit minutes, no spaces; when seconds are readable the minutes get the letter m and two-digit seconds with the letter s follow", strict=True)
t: 1h54
